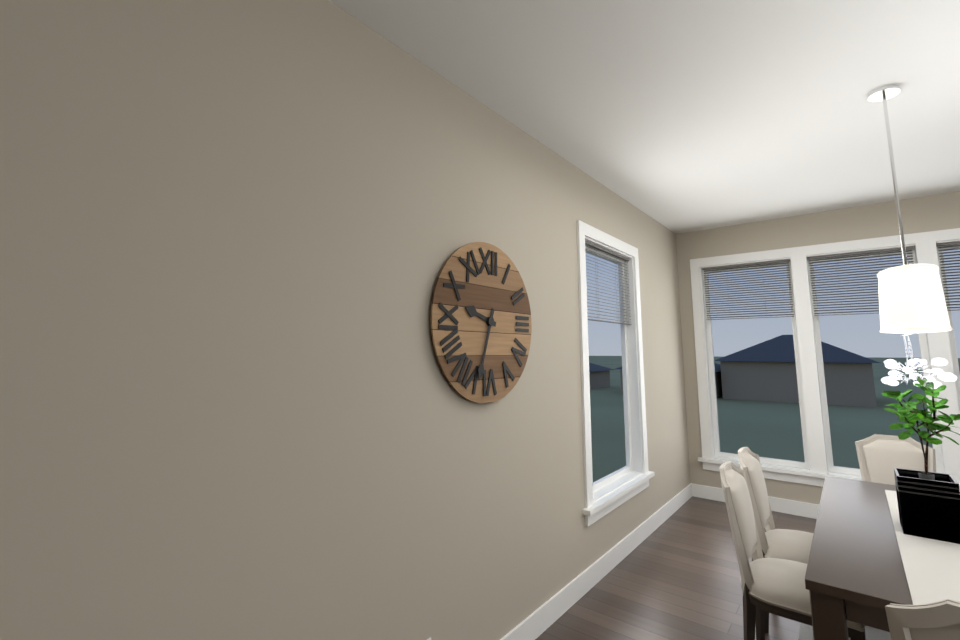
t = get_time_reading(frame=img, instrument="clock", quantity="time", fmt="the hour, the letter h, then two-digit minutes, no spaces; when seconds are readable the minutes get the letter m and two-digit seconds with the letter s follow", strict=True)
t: 9h33
